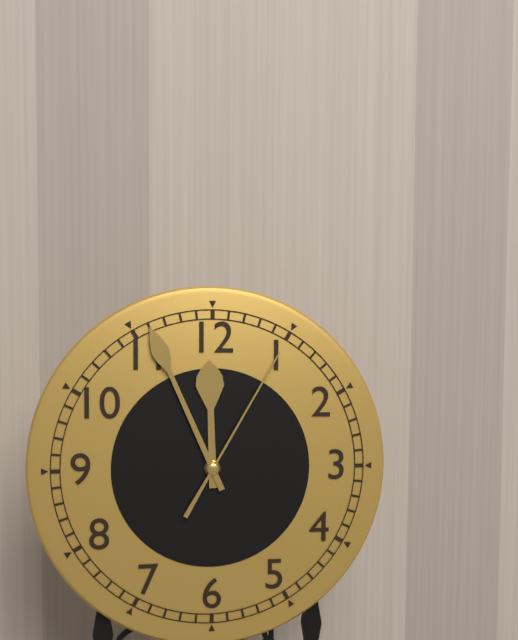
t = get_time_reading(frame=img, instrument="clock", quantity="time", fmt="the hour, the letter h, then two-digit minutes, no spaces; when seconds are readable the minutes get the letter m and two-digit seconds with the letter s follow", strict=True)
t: 11h56m05s
